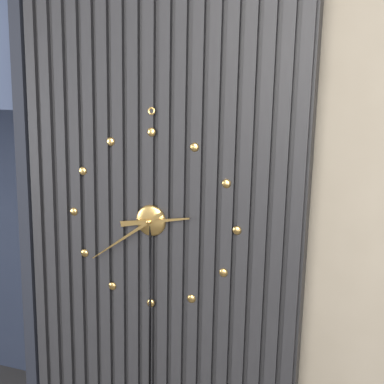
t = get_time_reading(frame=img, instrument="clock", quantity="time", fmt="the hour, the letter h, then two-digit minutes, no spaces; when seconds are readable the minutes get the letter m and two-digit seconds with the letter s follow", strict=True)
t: 2h39
